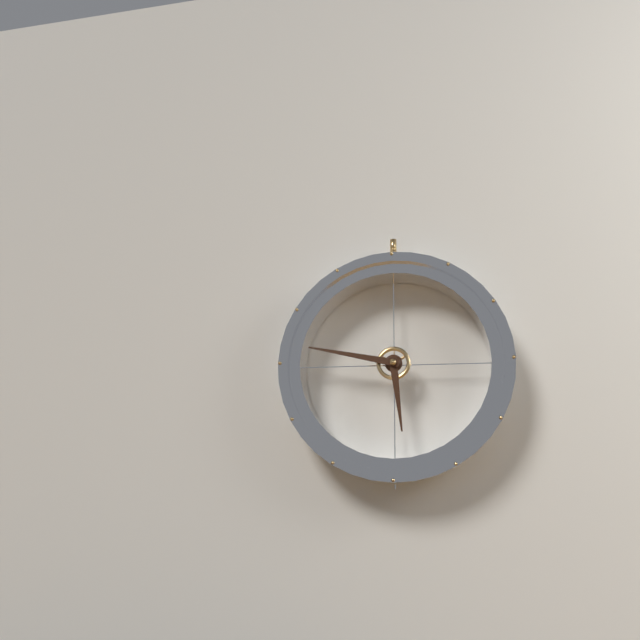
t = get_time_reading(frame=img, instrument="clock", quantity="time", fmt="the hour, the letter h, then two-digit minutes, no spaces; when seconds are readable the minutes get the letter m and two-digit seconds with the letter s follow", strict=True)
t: 5h47
